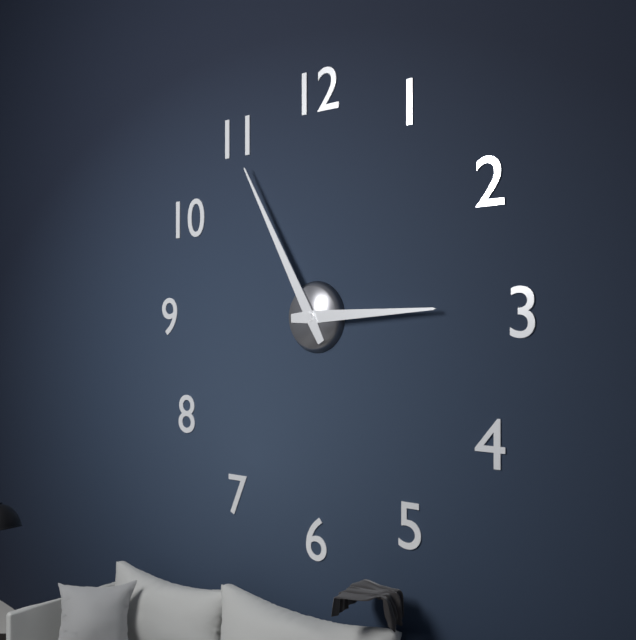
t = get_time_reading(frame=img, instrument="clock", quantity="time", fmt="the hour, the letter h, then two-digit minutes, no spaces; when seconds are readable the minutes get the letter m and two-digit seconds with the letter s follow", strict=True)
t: 2h55
